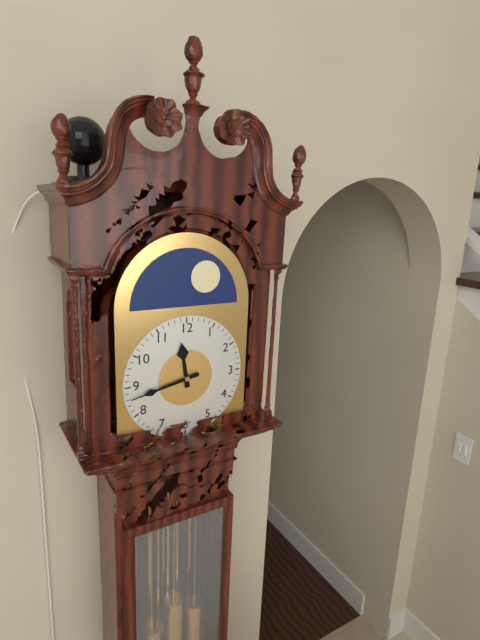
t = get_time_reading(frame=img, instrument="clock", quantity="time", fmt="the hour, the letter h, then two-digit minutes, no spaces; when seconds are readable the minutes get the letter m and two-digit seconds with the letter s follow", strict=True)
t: 11h43
